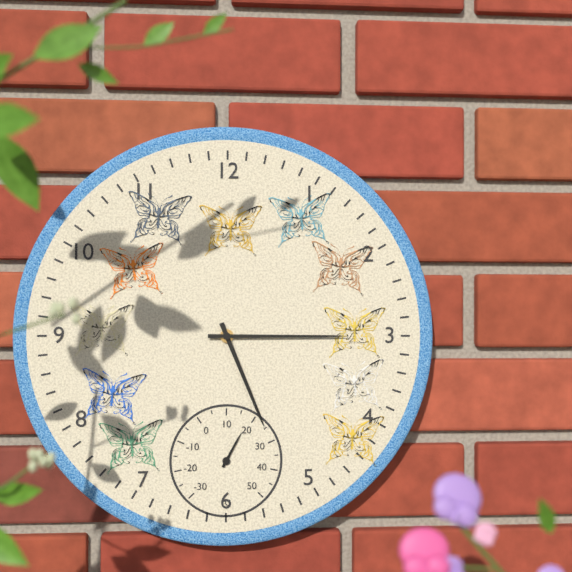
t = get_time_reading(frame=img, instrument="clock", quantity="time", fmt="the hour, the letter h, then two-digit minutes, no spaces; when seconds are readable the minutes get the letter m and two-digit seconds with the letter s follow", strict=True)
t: 5h15
